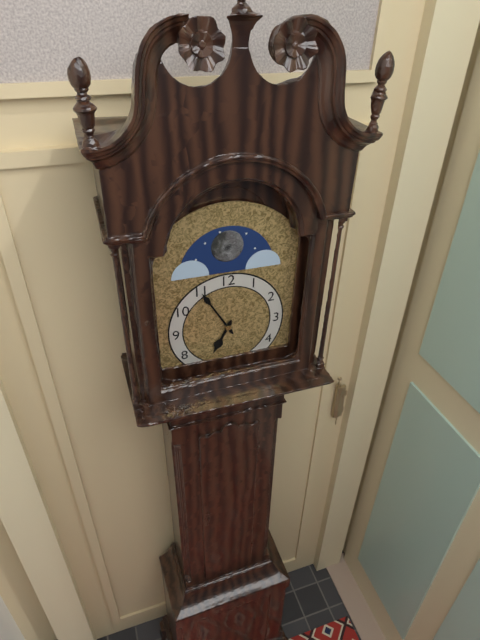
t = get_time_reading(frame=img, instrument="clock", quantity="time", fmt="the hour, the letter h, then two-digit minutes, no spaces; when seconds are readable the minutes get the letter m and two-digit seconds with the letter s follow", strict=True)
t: 6h55
